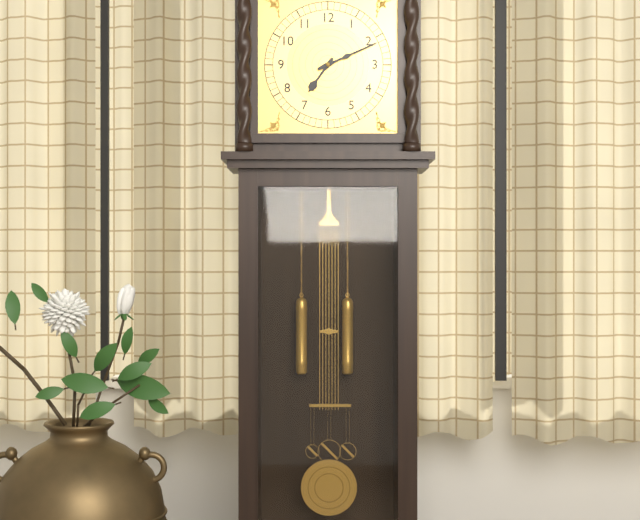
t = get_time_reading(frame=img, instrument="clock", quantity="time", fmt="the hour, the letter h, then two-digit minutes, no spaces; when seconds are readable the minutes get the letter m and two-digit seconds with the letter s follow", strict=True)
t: 7h11
